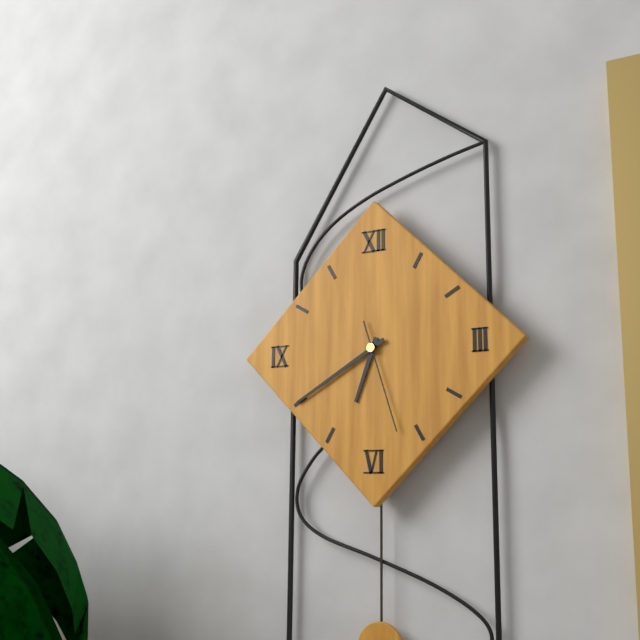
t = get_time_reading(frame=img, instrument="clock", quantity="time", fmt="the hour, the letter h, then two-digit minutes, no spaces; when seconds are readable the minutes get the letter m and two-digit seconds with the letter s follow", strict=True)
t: 6h40m27s
